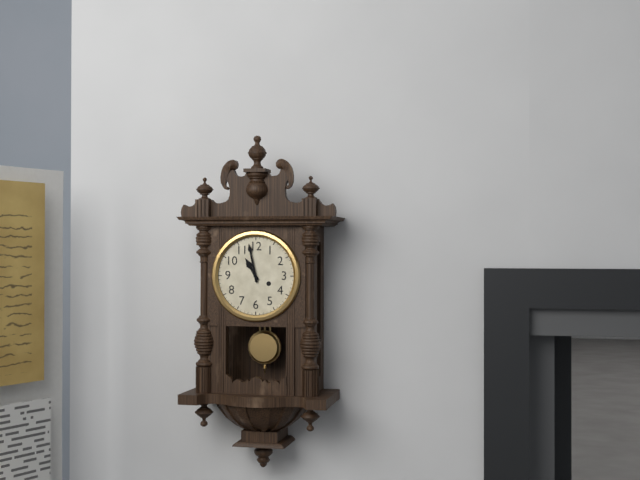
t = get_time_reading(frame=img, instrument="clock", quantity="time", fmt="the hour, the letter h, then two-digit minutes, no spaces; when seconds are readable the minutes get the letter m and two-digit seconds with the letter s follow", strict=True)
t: 10h58
